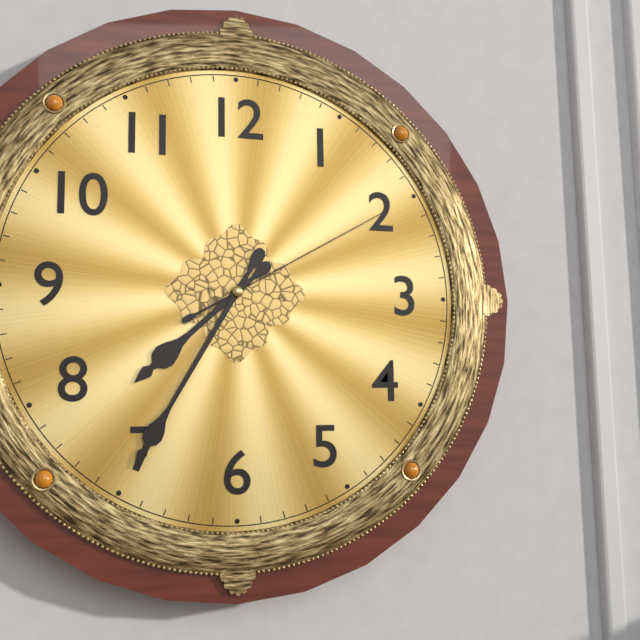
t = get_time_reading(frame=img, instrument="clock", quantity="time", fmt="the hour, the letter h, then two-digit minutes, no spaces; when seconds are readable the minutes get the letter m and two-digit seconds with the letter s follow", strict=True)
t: 7h35m10s
